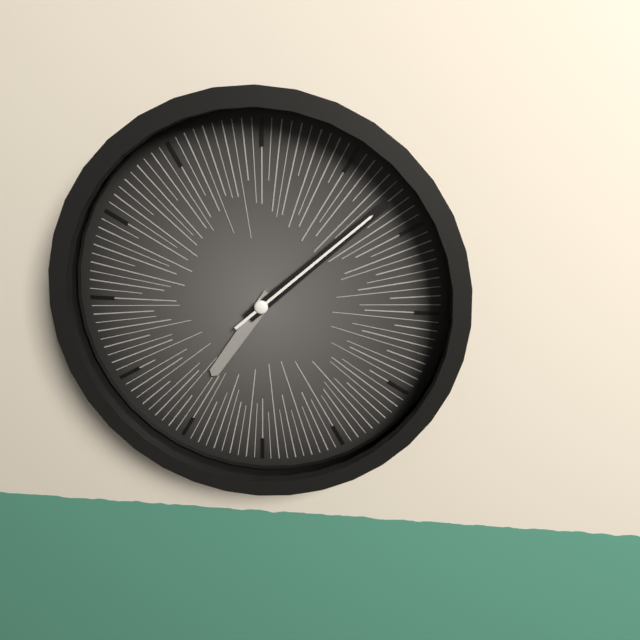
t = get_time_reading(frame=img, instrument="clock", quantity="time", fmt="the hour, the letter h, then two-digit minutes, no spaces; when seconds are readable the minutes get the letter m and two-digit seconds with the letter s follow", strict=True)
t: 7h08m08s
